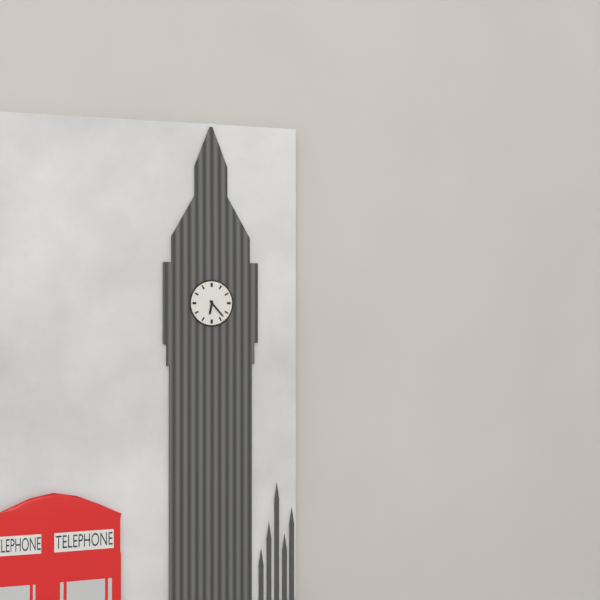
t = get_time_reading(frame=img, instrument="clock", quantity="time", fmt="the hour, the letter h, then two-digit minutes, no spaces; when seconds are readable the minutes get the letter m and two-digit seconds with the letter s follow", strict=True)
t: 6h23
